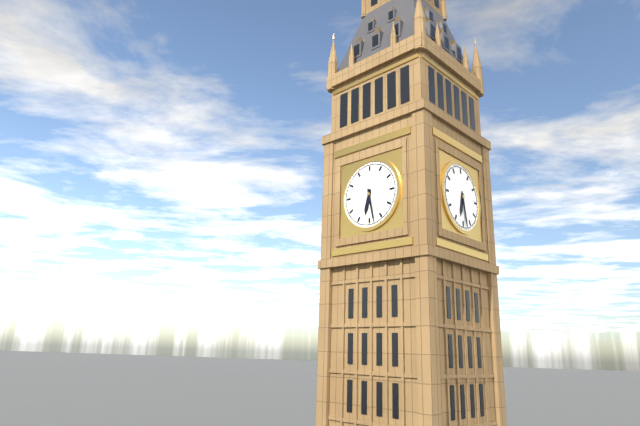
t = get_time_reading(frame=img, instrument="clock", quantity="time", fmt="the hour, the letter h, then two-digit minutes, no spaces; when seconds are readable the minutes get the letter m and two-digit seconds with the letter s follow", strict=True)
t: 6h28
